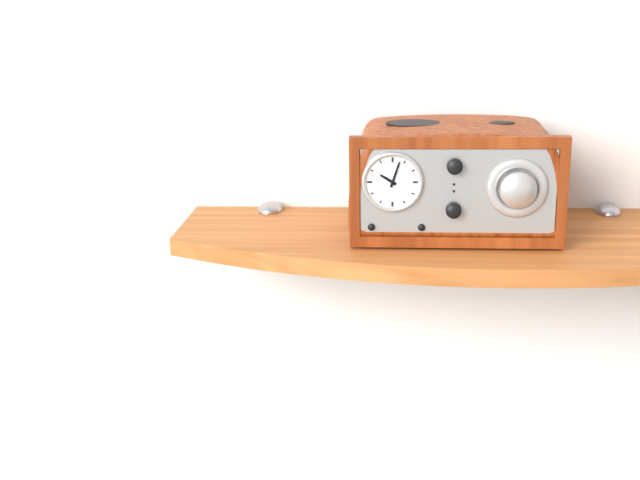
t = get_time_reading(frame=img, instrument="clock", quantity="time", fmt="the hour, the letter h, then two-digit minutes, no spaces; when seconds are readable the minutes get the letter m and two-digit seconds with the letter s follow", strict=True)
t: 10h03
